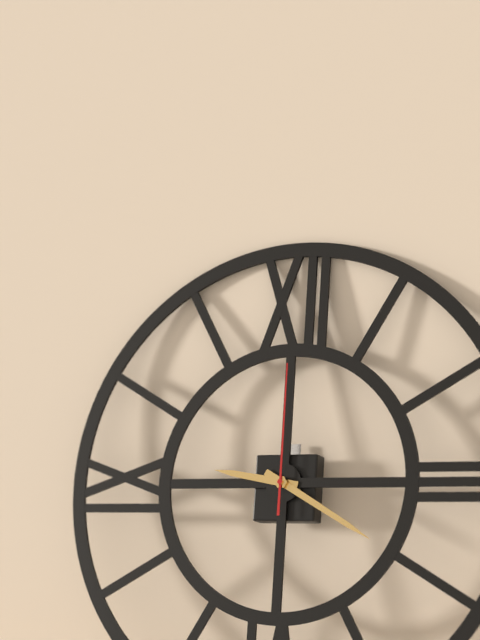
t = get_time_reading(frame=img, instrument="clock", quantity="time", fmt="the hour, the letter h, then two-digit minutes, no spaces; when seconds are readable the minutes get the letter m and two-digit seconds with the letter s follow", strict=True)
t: 9h20m00s
